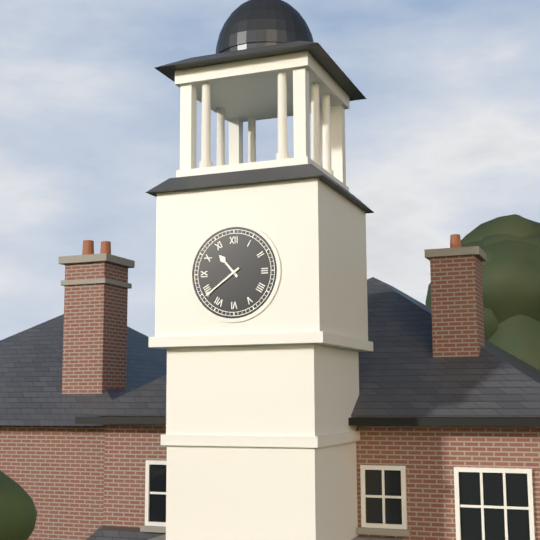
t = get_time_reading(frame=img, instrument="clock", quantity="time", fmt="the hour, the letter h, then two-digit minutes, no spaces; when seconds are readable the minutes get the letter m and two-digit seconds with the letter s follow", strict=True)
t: 10h39
